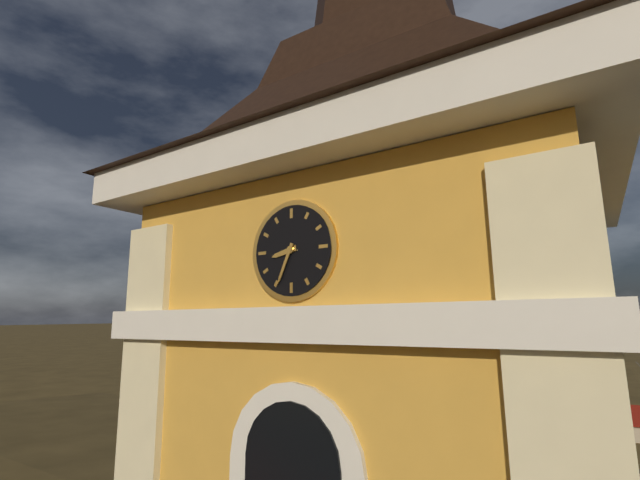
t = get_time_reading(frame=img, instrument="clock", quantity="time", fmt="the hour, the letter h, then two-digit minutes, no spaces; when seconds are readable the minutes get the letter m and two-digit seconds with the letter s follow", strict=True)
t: 8h34
